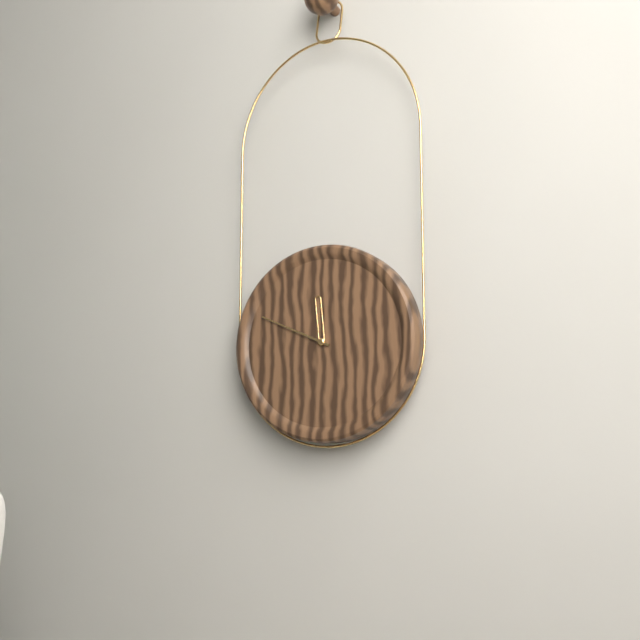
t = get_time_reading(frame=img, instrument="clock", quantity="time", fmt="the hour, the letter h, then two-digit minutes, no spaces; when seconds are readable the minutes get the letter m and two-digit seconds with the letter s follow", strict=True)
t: 11h49
